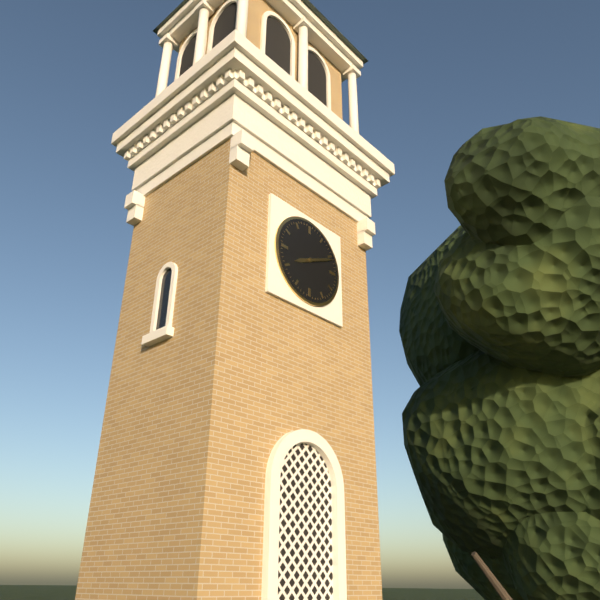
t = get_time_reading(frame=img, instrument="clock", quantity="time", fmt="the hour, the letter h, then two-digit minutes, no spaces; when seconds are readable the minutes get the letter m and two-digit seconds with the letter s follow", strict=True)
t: 8h11
